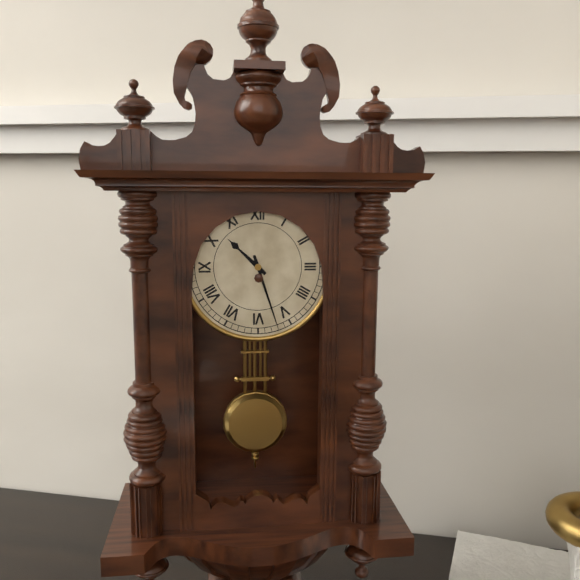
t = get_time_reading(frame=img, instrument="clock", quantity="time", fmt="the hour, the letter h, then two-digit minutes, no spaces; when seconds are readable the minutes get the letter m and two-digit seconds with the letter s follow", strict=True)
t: 10h27
